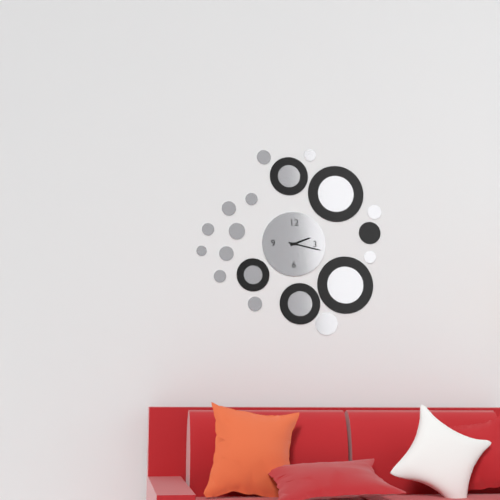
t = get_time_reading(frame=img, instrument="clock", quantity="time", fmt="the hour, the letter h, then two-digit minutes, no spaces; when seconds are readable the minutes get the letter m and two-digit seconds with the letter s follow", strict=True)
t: 2h17
